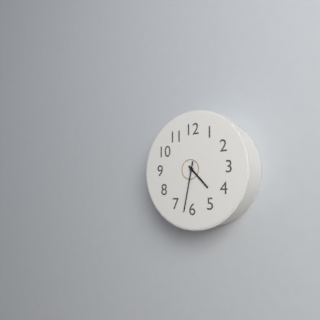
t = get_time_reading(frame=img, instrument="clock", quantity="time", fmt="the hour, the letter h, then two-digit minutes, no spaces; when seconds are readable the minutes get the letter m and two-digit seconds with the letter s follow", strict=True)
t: 4h32
